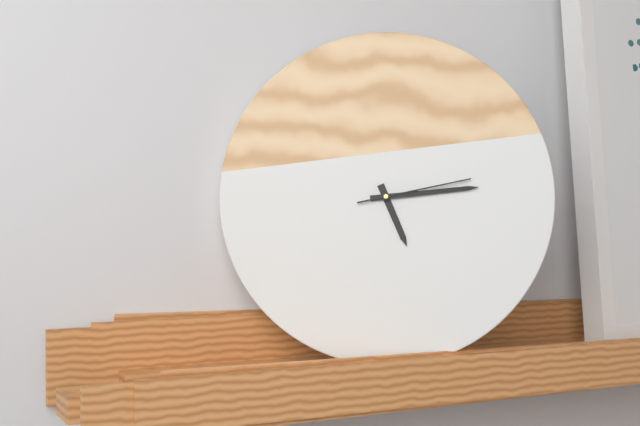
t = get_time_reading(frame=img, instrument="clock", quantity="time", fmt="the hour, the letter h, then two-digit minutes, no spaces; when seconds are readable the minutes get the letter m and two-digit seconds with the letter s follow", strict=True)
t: 5h14m13s
